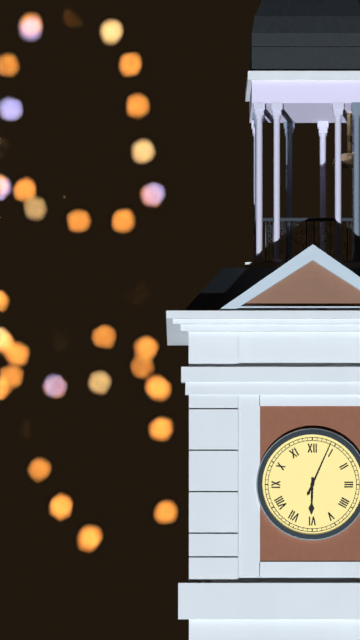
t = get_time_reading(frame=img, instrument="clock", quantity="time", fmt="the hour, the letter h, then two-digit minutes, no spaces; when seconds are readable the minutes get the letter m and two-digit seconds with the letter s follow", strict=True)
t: 6h04
